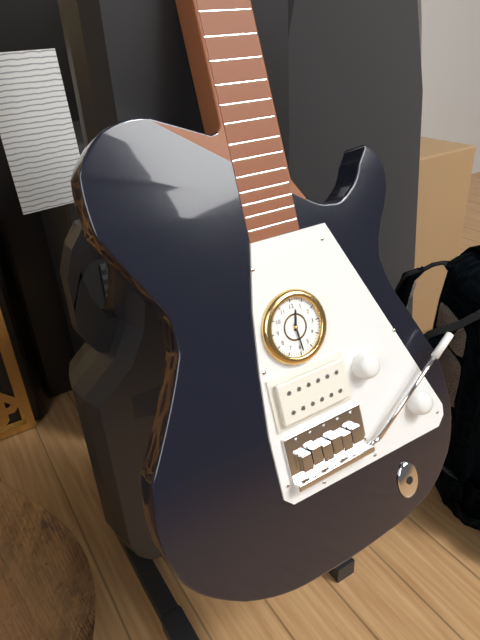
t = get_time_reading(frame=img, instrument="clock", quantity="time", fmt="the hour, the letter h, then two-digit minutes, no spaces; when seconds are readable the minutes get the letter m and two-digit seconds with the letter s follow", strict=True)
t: 12h29
